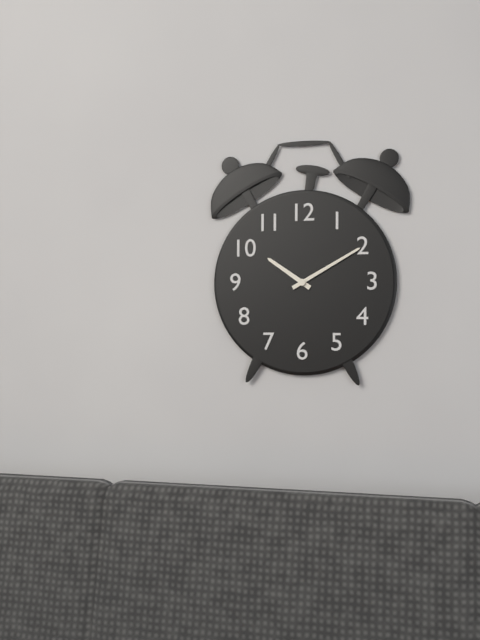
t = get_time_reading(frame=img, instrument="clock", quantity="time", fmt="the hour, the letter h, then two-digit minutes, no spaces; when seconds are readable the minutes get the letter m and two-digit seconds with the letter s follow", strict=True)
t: 10h10
